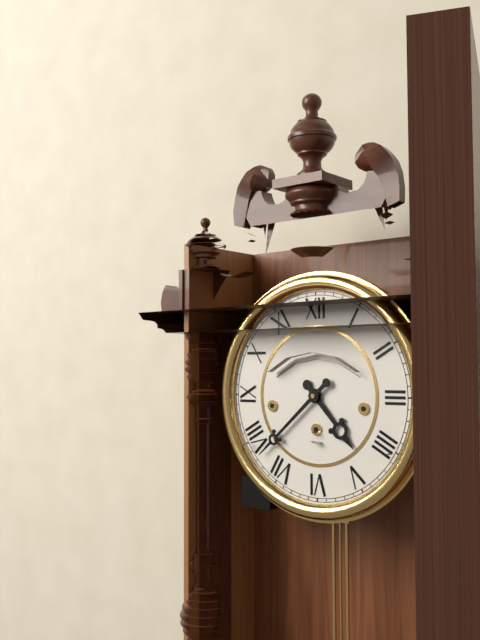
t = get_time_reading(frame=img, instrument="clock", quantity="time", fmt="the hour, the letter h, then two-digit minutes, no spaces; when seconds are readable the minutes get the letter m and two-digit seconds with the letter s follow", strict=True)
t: 4h38
